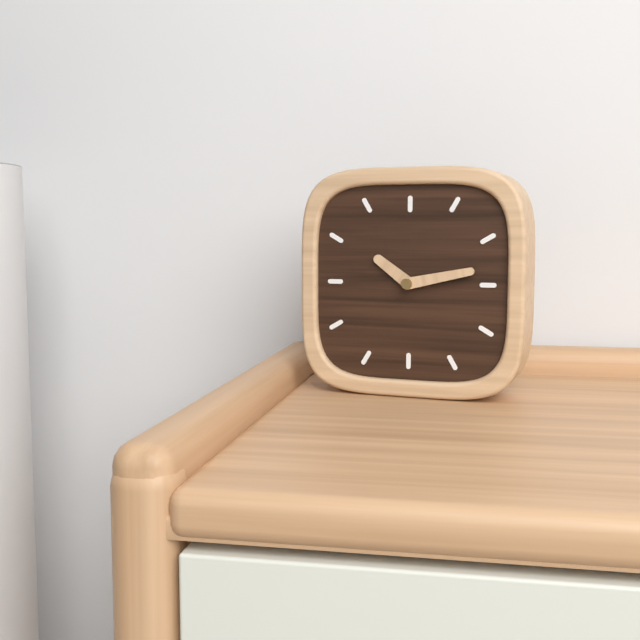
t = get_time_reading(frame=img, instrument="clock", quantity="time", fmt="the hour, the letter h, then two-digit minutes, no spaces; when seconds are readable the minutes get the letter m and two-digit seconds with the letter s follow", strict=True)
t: 10h13
